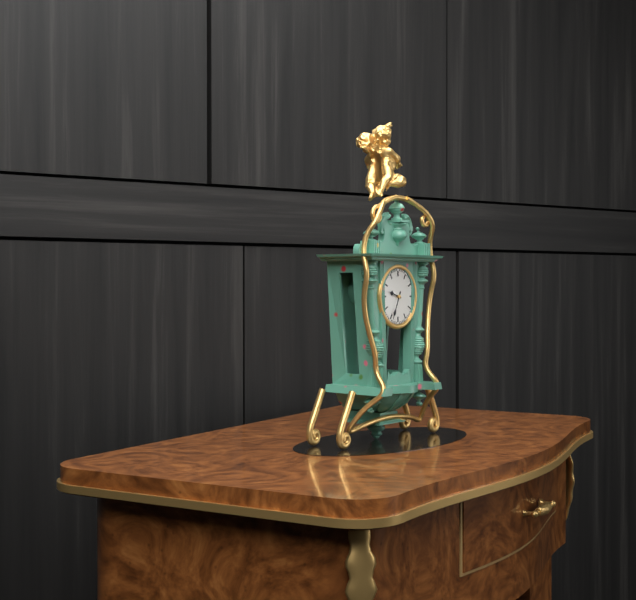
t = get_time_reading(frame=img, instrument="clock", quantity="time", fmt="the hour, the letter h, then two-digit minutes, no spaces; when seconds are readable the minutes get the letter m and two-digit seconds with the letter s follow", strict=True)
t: 9h34
